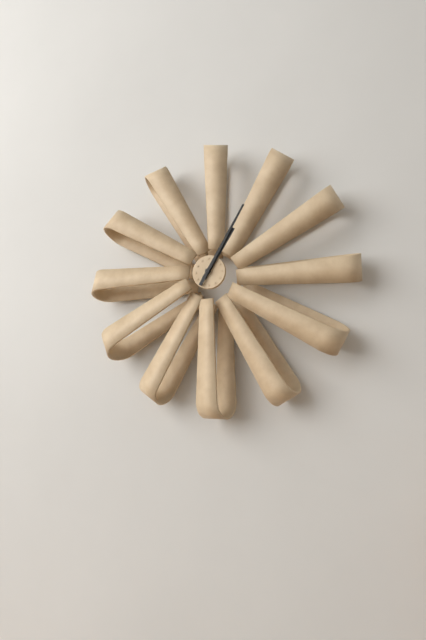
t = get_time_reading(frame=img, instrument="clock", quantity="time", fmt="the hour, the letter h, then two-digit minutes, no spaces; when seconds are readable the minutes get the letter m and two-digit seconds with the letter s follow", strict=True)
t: 1h05
